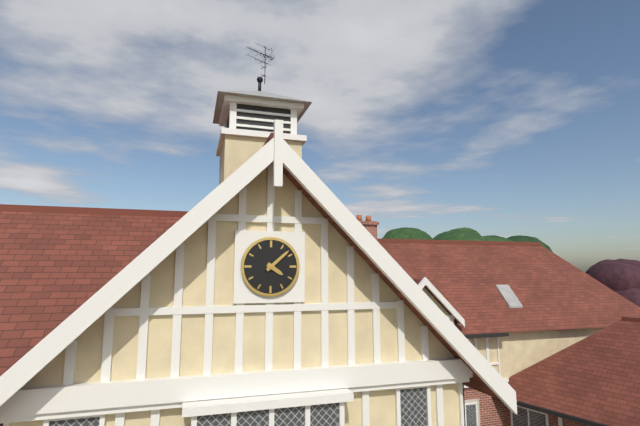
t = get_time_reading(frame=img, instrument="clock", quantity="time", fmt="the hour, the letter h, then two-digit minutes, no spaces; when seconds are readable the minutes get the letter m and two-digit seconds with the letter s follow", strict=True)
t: 4h08
